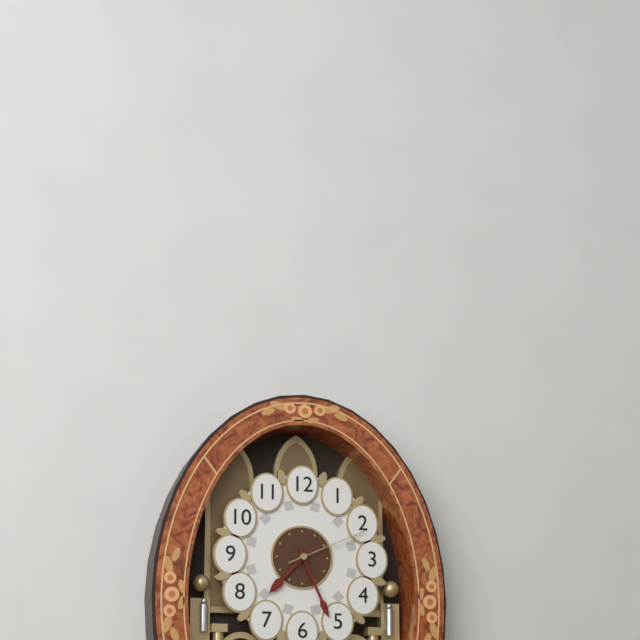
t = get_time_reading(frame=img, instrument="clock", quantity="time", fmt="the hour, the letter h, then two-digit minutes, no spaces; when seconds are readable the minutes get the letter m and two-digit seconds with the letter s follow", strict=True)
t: 7h26m11s
